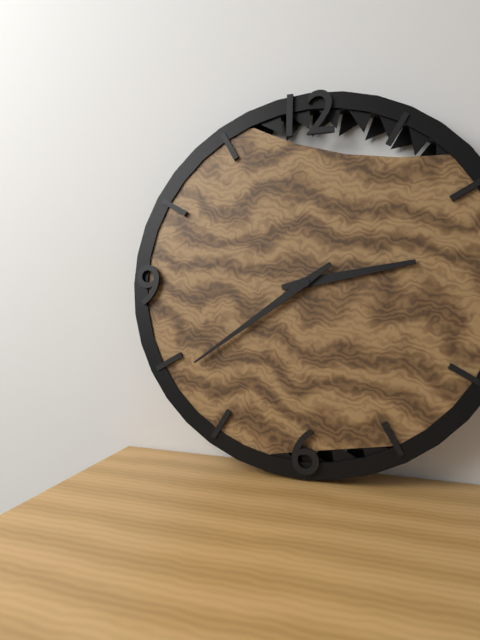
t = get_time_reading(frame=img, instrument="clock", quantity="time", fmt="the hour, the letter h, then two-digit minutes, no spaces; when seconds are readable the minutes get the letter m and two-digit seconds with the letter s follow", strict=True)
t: 2h39
